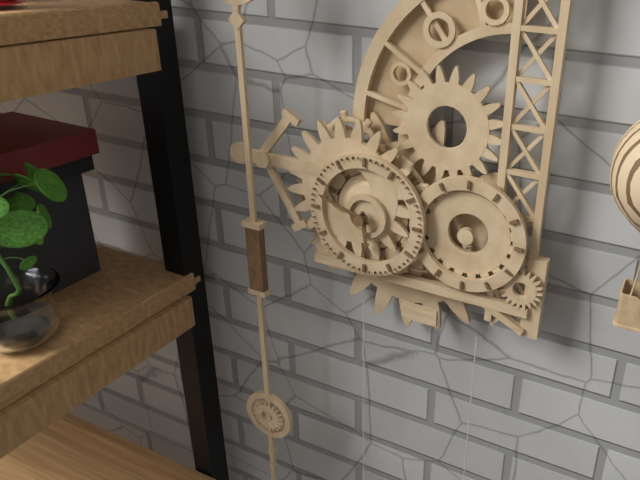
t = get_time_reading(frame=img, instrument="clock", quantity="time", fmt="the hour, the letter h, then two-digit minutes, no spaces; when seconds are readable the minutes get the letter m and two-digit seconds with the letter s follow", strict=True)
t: 5h48
